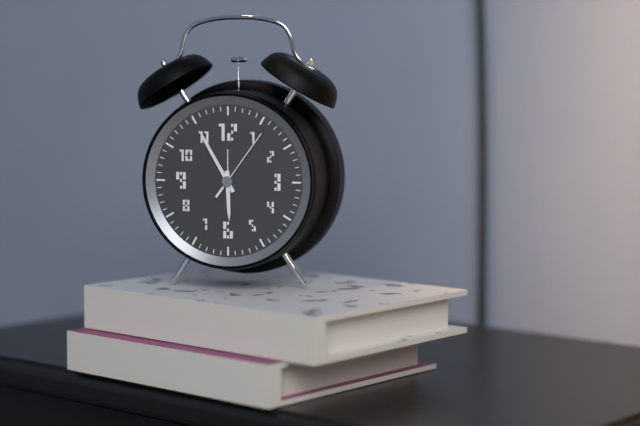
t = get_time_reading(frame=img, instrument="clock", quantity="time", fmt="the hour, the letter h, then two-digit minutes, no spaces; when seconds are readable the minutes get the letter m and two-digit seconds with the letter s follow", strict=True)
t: 5h55m06s
